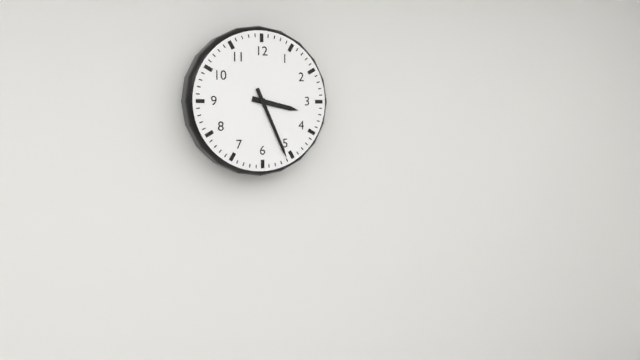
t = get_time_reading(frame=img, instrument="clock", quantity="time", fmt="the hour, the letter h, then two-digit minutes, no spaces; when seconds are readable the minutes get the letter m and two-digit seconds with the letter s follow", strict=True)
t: 3h26
